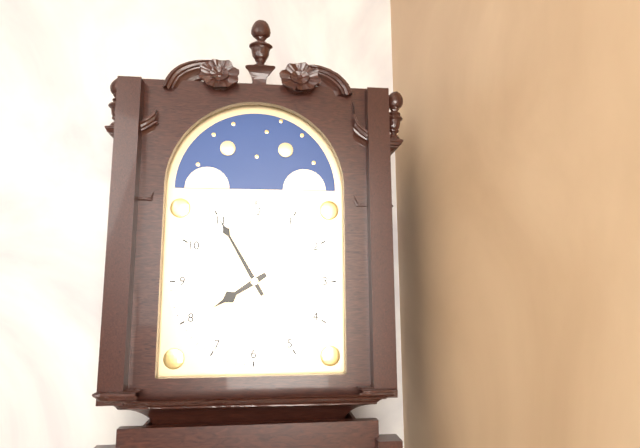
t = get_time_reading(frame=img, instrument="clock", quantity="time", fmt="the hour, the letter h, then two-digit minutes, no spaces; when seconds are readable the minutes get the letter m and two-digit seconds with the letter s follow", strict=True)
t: 7h55
